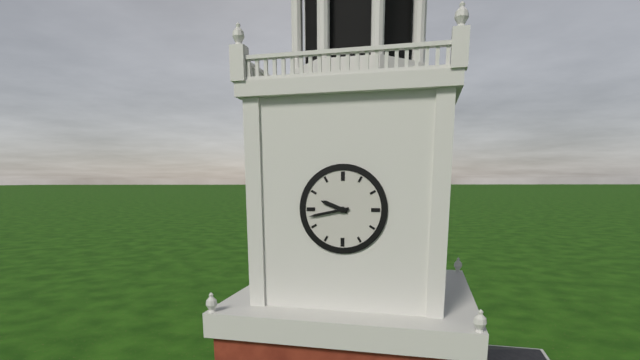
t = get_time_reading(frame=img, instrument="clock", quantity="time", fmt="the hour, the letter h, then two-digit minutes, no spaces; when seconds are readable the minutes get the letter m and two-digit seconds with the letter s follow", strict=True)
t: 9h43
